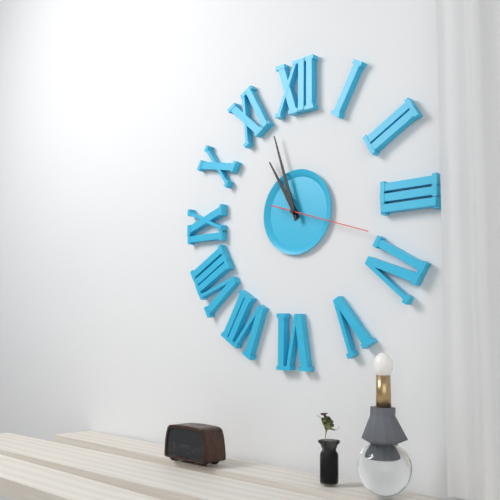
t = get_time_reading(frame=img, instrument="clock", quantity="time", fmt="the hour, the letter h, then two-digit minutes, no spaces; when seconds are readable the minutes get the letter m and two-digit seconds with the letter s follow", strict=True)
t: 10h57m18s
